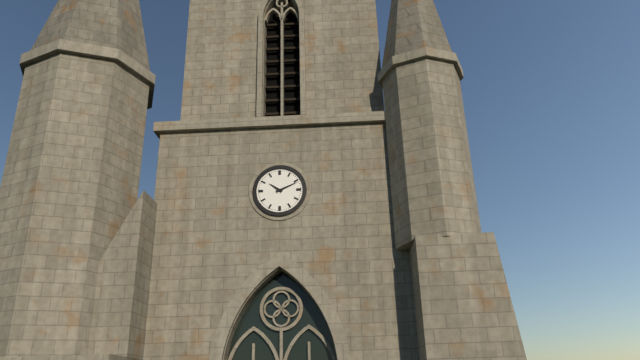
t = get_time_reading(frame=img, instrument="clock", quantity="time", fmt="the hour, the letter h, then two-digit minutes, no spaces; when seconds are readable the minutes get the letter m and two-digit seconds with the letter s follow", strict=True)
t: 10h11
